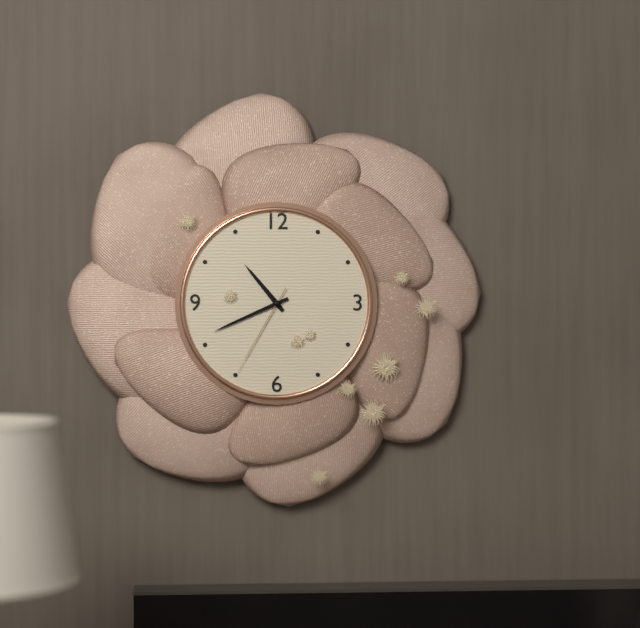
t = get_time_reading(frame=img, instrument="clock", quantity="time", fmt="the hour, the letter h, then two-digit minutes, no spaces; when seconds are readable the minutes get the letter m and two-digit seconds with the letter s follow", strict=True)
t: 10h41m35s
